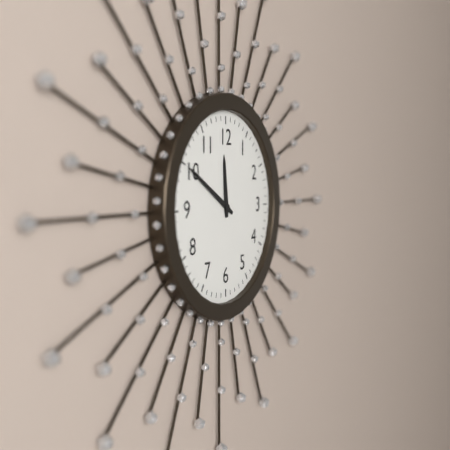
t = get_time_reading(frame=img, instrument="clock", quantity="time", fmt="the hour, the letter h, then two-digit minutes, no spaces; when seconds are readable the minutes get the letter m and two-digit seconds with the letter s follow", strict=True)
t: 11h50
